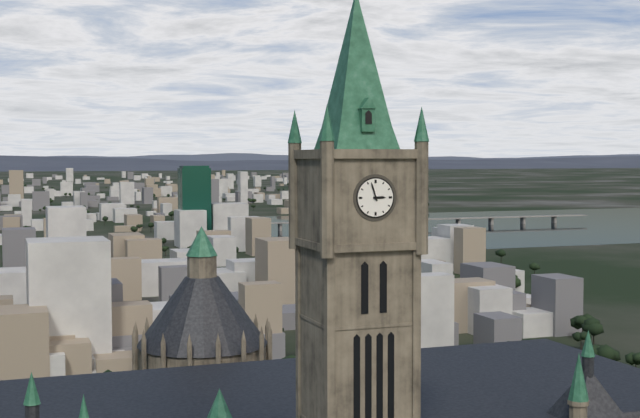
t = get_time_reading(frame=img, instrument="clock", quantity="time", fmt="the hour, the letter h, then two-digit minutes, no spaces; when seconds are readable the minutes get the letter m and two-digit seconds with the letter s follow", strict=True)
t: 2h57
